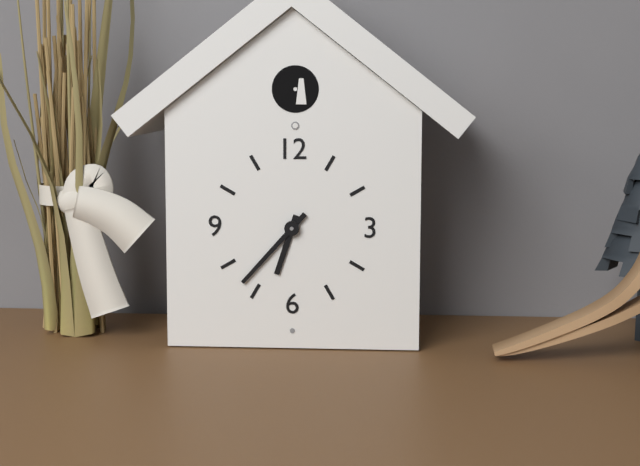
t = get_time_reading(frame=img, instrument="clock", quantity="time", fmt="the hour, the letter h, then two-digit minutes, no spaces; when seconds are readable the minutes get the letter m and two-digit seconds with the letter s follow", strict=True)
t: 6h37
